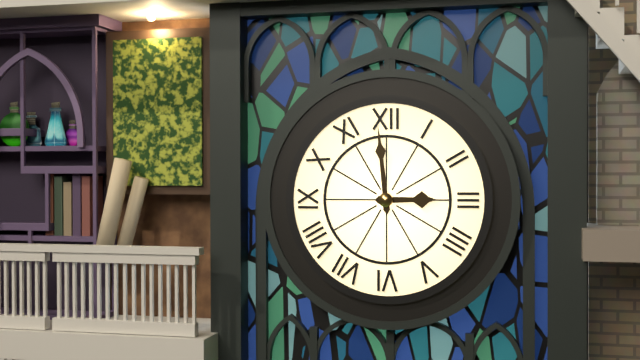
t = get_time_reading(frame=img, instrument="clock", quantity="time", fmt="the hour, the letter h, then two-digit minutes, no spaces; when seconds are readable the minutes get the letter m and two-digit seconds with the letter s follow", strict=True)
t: 2h59
